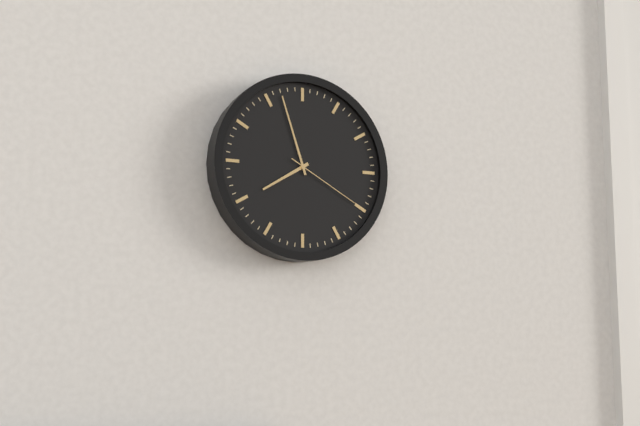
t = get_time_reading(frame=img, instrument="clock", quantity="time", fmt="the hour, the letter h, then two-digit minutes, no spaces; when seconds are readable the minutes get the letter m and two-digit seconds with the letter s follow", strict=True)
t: 7h57m20s
